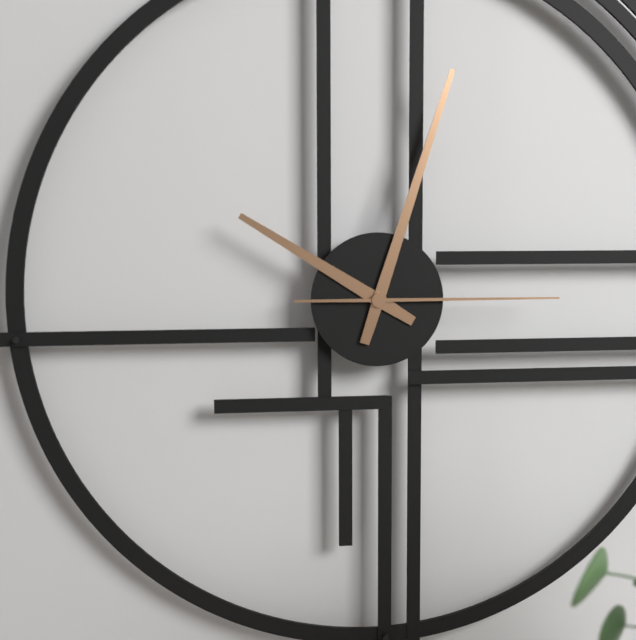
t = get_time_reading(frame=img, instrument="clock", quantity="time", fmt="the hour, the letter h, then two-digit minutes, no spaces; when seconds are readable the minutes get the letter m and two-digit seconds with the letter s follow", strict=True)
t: 10h03m15s
